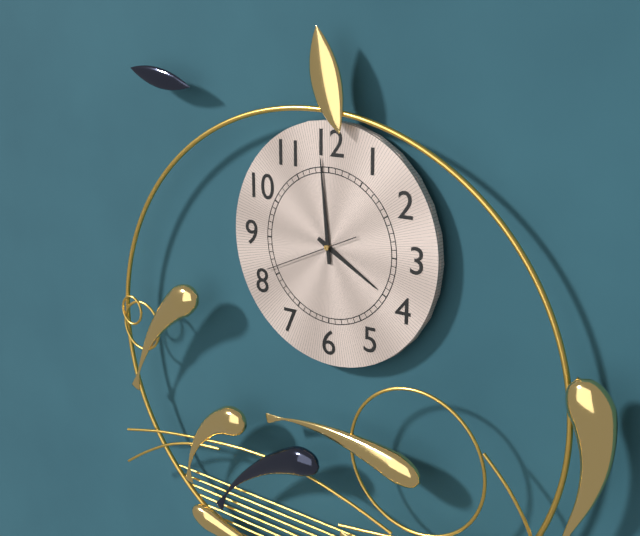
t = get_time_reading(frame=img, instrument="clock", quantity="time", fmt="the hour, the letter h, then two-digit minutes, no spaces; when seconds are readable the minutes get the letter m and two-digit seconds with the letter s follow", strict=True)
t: 3h59m41s
